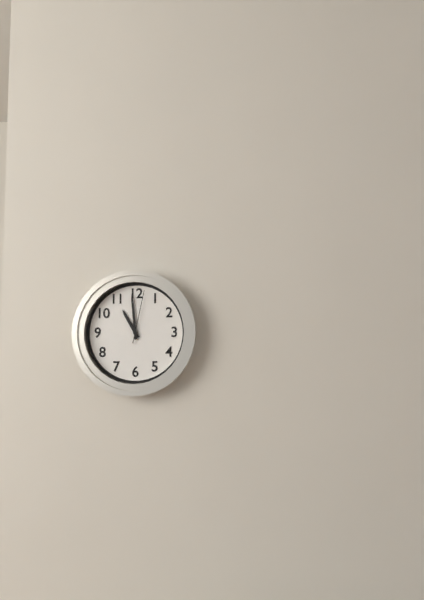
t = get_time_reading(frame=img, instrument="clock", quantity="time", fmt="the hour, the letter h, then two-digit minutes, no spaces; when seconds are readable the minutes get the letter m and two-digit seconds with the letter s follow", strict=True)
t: 10h59m02s
